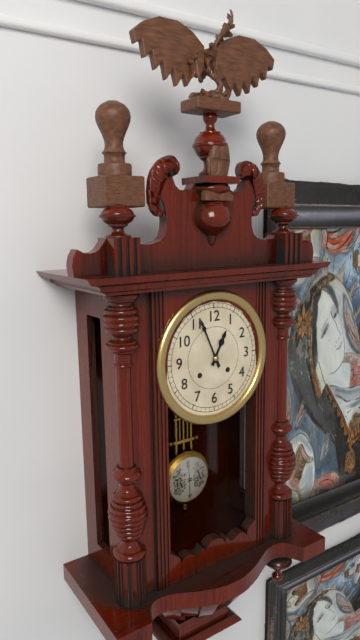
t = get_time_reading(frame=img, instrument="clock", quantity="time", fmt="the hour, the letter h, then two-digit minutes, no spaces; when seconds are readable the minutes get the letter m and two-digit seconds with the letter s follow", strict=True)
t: 12h56
